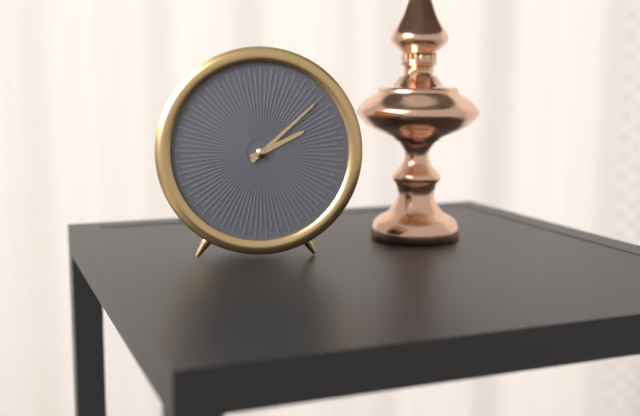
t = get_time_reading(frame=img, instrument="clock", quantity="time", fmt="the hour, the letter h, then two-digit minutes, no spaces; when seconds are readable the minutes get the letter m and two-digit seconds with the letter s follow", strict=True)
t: 2h08
